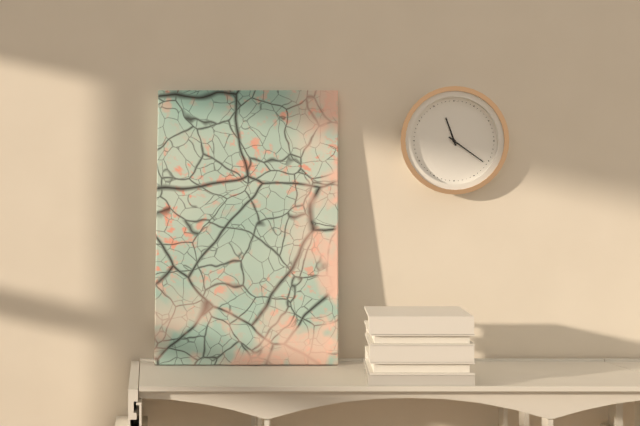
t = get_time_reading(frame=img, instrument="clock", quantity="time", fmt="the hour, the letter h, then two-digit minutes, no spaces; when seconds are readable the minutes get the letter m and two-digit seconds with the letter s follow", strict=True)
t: 11h21
